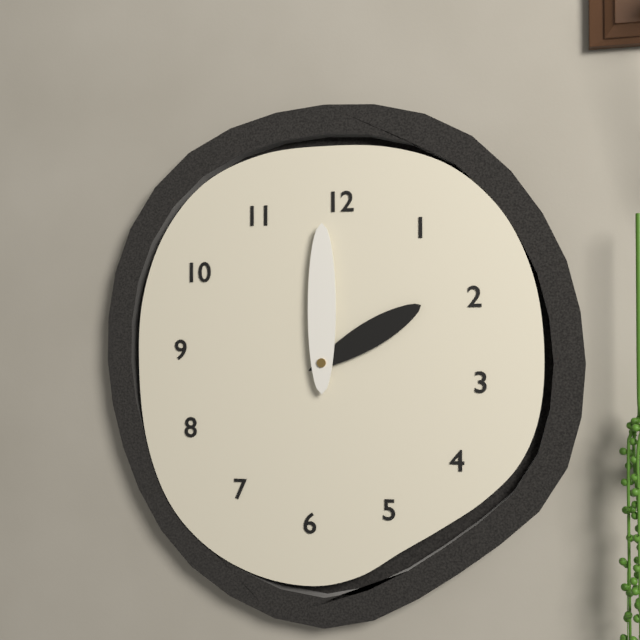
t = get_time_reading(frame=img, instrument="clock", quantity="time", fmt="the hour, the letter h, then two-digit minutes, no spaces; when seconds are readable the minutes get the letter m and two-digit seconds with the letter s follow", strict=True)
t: 2h00
